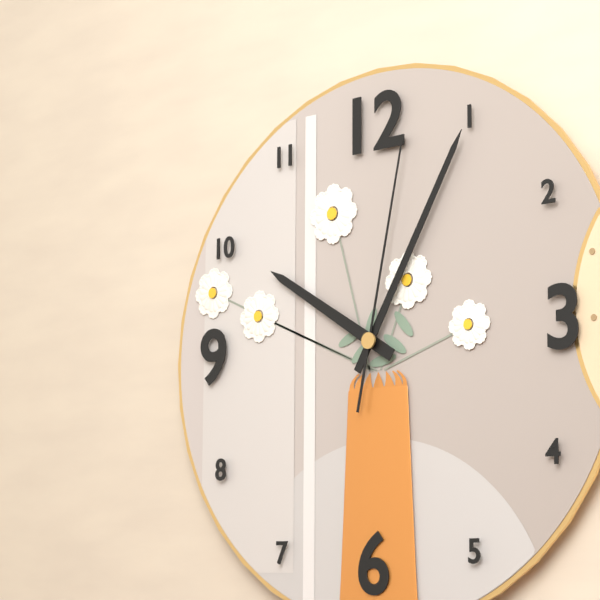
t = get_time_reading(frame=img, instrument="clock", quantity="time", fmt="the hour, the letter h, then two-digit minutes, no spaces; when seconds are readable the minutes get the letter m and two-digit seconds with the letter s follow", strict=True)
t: 10h05m02s
